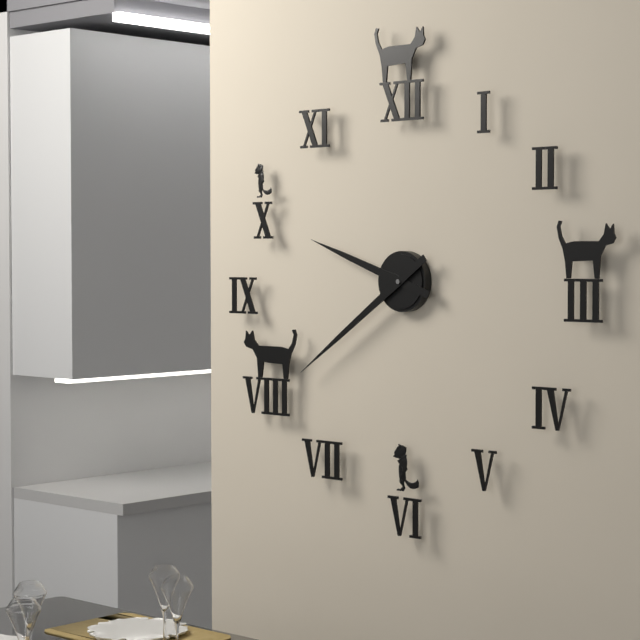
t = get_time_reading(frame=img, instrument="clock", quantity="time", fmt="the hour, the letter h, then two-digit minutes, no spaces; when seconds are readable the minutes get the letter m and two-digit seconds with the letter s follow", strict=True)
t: 9h39
